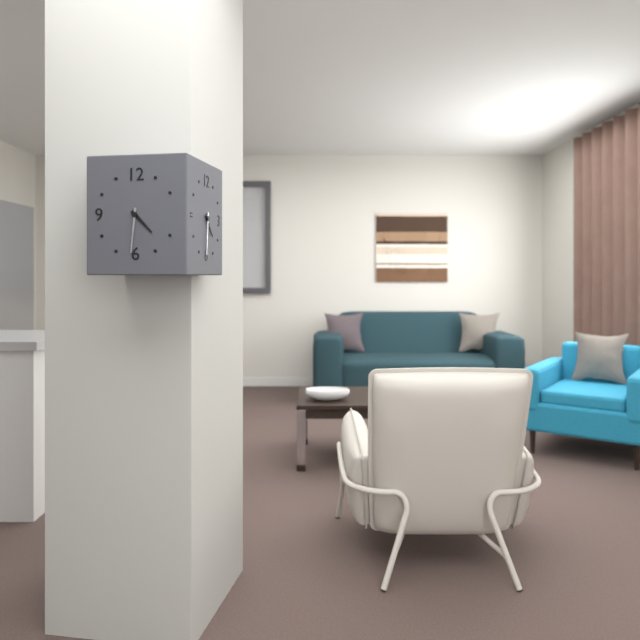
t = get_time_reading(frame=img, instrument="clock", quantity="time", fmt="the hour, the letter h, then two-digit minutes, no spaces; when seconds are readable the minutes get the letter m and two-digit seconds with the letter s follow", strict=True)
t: 4h31
